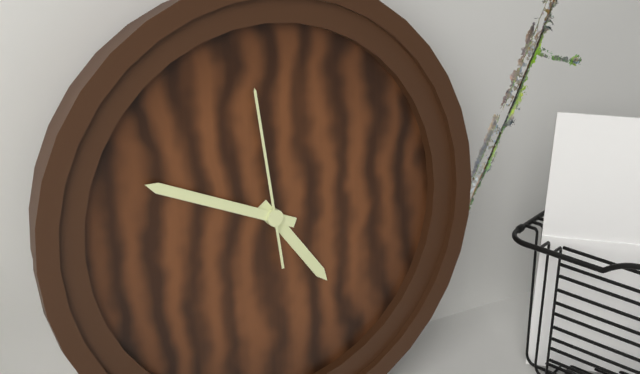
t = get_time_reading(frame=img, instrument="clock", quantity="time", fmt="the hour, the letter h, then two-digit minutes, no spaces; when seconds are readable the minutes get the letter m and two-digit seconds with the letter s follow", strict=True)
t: 4h49m59s
